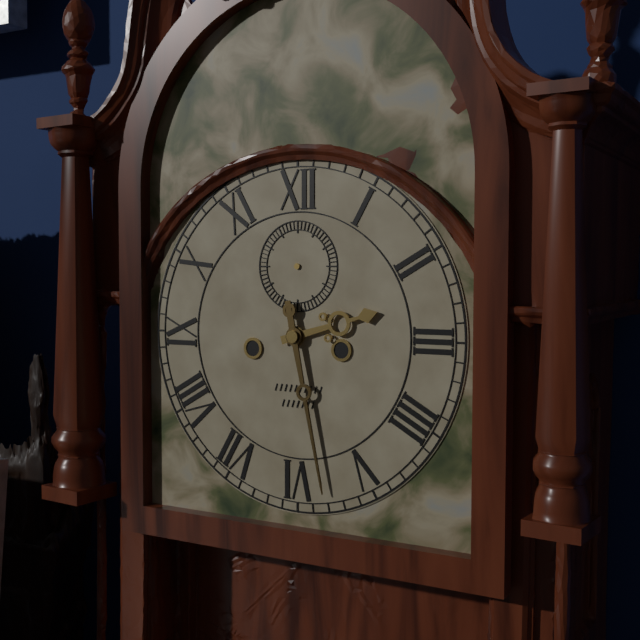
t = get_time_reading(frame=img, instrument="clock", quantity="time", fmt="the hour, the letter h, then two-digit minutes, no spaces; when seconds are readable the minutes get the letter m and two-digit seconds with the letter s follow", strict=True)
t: 2h28
